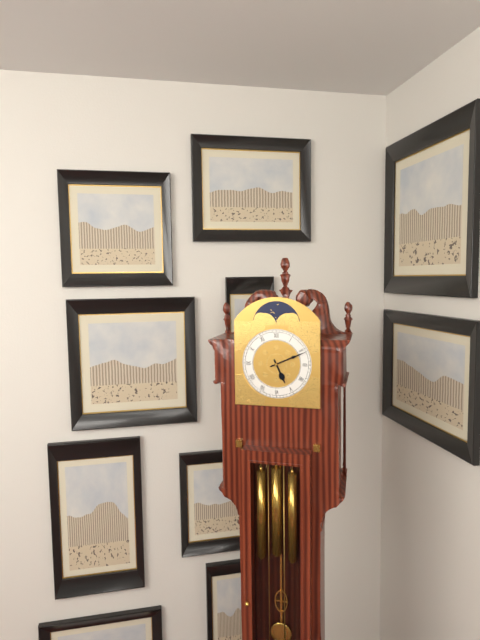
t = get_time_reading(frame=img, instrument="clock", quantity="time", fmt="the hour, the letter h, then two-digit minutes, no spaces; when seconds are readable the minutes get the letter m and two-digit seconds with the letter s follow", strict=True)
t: 5h11
